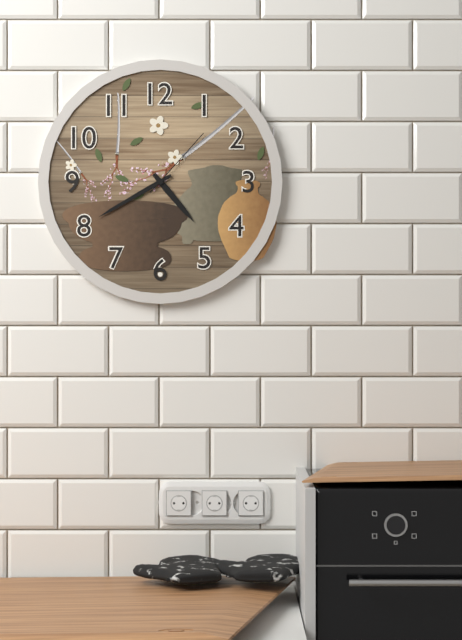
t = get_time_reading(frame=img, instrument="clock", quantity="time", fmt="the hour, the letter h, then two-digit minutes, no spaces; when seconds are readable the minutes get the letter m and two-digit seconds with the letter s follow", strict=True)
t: 4h40m07s
